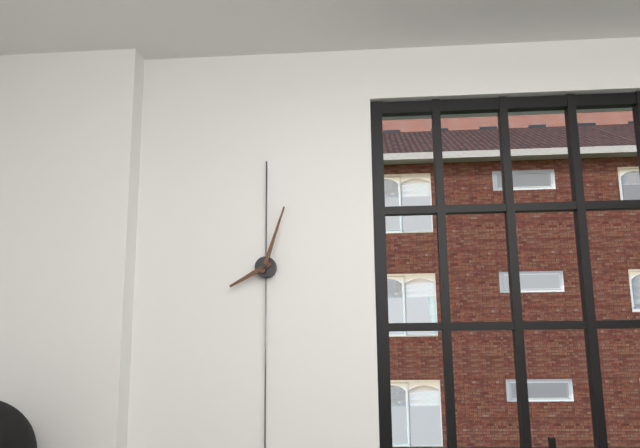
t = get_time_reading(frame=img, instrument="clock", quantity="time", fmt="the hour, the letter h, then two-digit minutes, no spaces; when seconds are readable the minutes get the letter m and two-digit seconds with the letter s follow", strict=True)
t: 8h03
